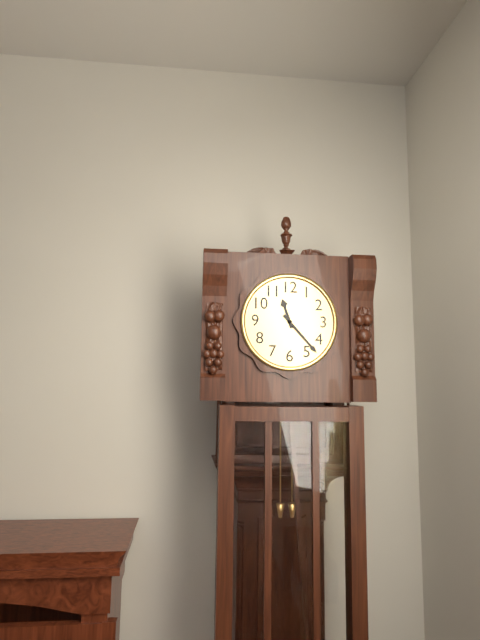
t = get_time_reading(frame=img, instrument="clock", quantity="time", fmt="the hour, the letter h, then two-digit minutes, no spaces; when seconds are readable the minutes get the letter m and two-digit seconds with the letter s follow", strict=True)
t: 11h23
